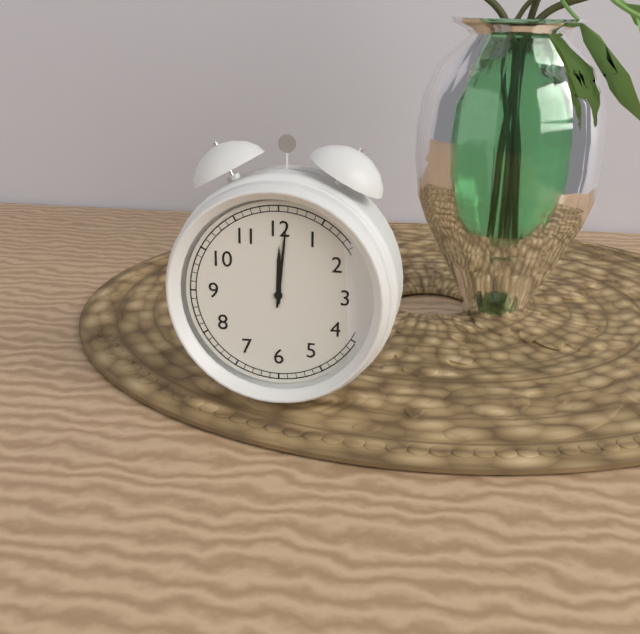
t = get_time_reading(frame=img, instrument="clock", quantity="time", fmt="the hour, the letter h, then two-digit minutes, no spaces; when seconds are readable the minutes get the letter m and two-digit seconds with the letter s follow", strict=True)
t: 12h01
